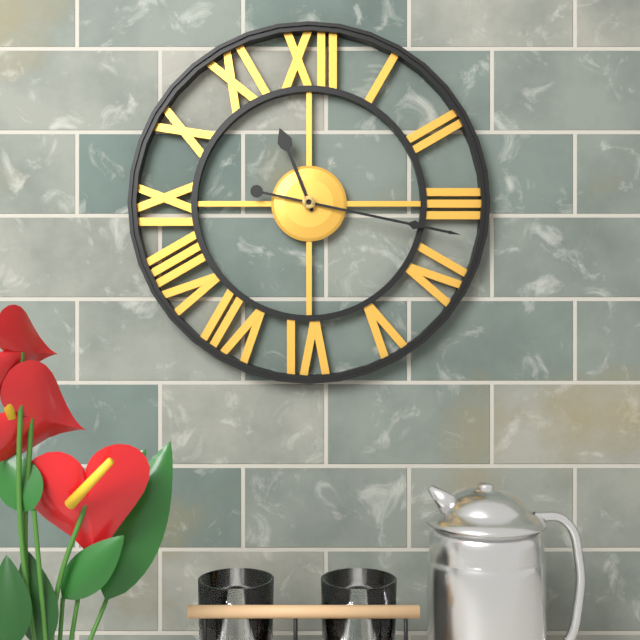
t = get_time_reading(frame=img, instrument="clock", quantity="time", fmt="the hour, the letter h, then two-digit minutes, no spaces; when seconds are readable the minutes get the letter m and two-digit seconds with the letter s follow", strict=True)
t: 11h17
